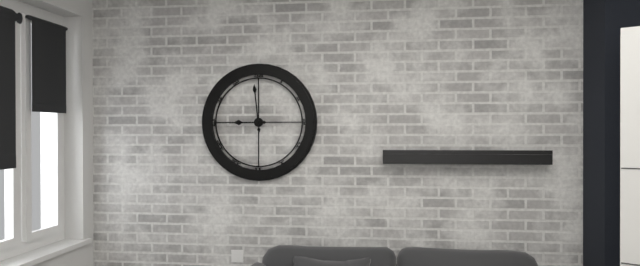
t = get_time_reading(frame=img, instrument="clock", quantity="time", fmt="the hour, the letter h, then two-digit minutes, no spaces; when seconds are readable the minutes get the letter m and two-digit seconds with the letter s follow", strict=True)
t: 8h59
